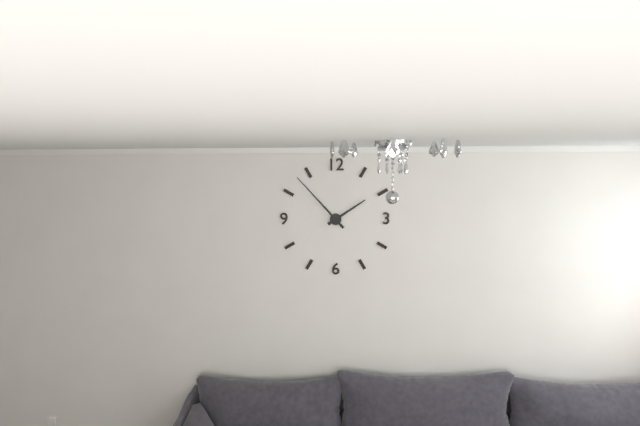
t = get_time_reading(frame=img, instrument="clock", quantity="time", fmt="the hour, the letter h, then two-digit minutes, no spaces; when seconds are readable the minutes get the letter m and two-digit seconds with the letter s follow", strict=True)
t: 1h53
